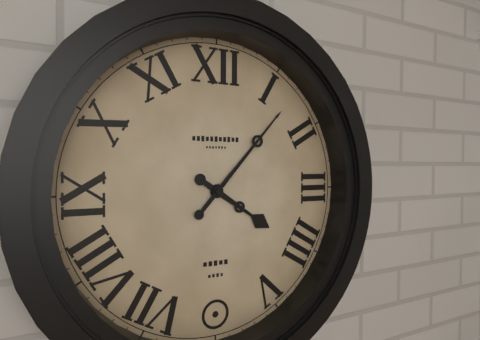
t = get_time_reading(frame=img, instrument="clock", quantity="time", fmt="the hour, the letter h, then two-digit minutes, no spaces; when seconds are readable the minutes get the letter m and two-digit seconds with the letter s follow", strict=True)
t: 4h07
